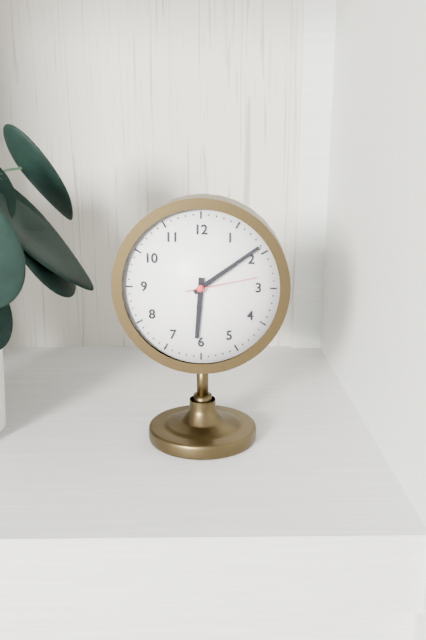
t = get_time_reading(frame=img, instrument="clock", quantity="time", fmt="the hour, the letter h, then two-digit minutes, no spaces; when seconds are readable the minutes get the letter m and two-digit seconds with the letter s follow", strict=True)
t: 6h09m13s
